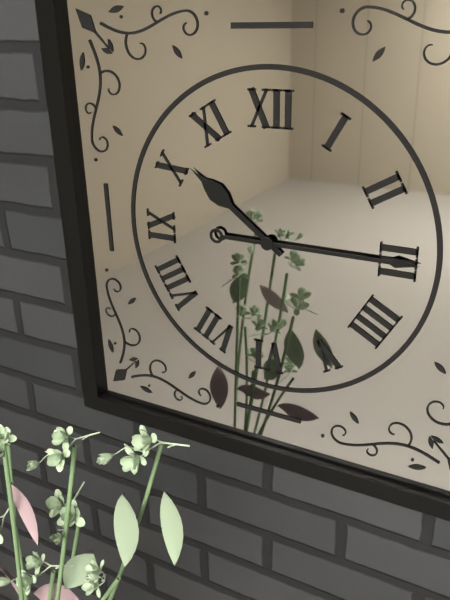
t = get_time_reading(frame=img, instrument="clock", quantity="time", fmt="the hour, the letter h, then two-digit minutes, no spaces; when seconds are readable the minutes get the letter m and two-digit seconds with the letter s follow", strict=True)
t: 10h15
